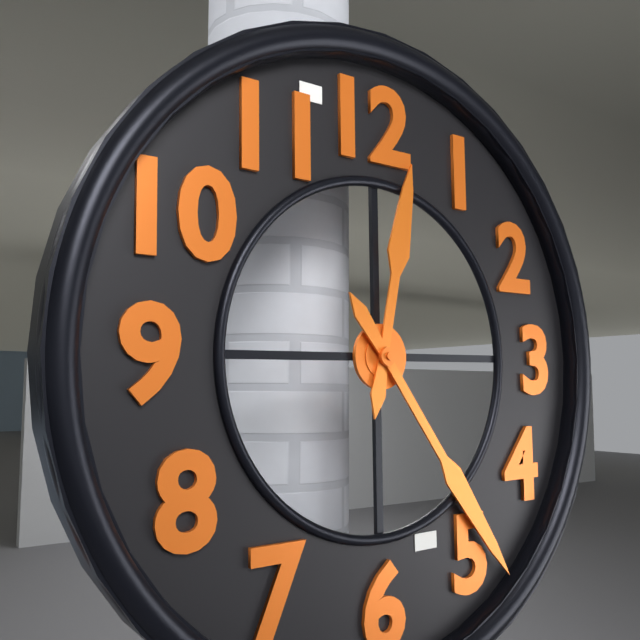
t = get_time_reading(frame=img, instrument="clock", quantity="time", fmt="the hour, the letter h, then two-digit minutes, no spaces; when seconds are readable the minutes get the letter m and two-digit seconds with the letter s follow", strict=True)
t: 12h24
